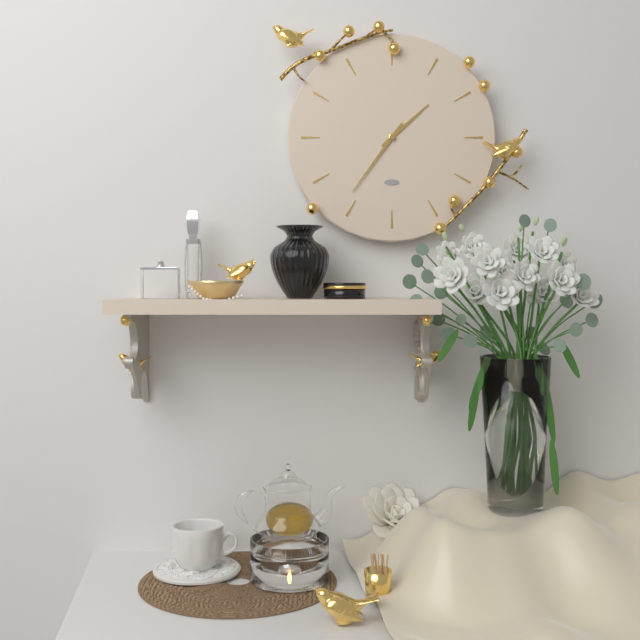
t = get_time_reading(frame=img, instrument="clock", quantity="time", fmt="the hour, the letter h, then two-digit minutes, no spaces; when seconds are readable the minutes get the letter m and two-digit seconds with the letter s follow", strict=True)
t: 1h36
